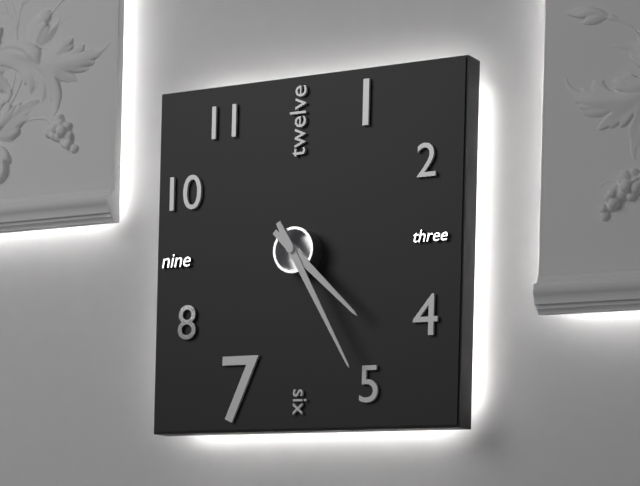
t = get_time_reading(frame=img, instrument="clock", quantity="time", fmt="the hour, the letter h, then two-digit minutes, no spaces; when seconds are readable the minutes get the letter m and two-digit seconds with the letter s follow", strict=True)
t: 4h25
